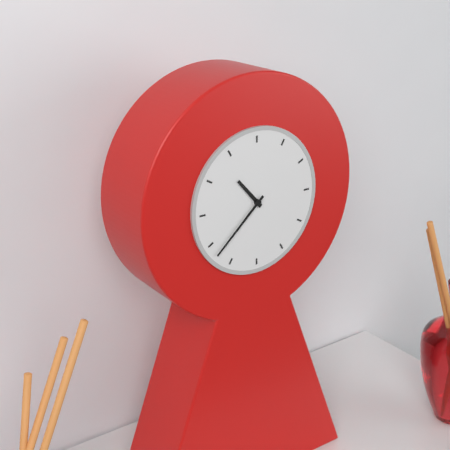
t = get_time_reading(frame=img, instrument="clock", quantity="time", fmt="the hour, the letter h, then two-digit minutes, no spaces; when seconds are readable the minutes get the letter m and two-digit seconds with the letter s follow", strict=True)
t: 10h38
